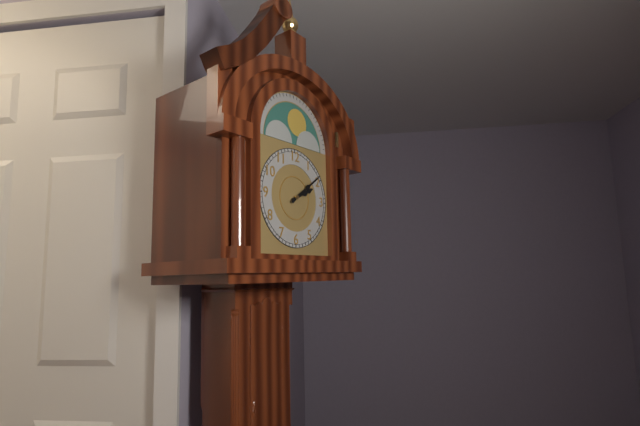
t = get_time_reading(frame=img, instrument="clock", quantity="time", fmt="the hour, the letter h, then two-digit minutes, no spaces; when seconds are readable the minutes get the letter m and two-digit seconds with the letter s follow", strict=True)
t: 2h09
